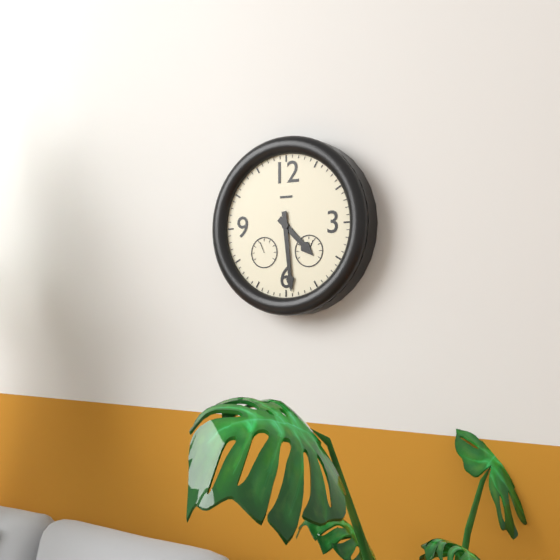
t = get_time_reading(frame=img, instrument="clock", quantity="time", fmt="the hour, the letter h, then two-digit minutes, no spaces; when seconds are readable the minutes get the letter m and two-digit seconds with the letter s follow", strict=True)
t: 4h29
